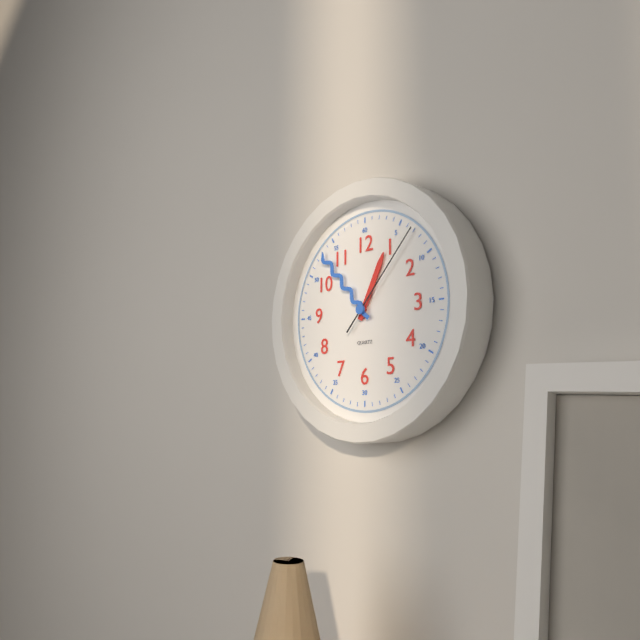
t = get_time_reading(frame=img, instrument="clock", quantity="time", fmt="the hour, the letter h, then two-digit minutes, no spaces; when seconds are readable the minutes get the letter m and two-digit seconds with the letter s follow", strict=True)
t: 12h53m07s
